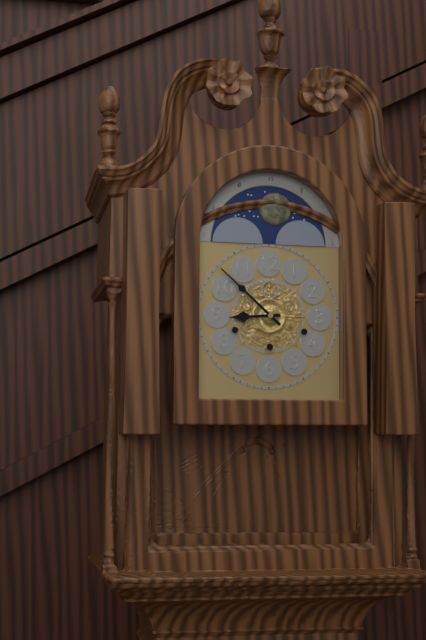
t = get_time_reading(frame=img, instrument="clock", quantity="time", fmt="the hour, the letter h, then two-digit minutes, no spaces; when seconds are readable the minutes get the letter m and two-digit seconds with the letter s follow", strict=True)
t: 8h52
